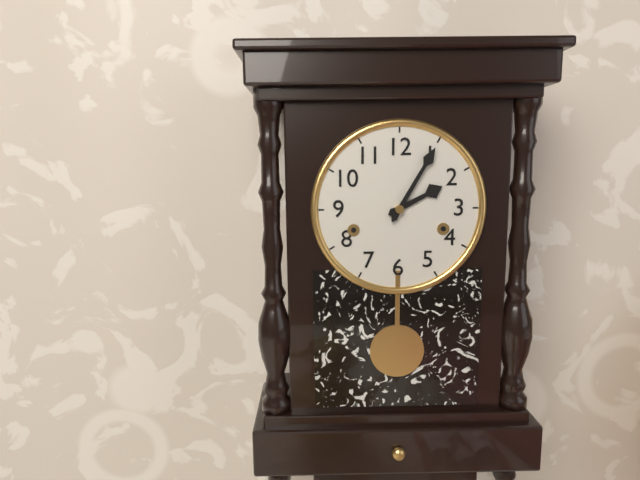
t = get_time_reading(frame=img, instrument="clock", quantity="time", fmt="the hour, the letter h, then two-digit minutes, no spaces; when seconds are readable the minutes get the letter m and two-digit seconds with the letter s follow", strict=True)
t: 2h05
